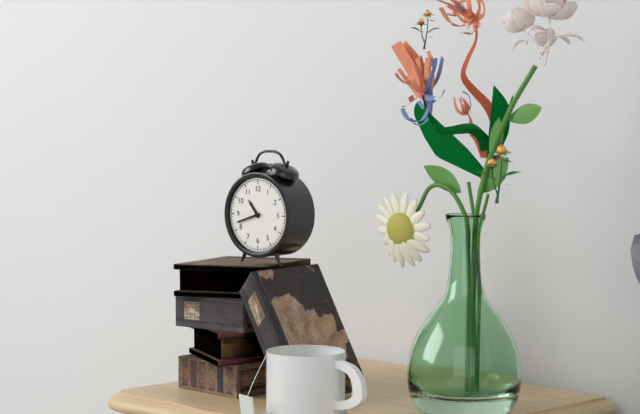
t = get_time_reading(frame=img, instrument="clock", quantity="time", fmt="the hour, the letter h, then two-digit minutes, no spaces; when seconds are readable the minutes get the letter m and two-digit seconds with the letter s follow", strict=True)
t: 10h42
